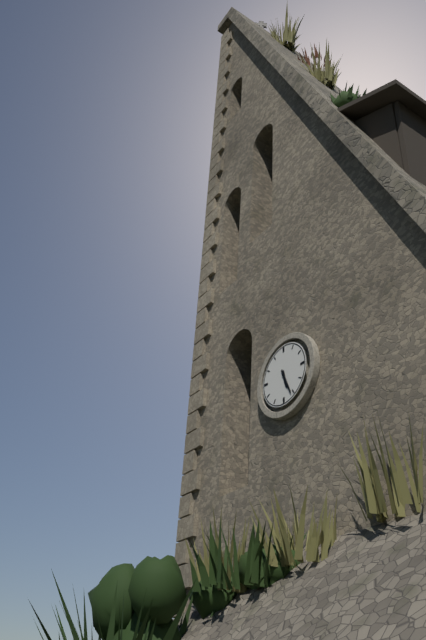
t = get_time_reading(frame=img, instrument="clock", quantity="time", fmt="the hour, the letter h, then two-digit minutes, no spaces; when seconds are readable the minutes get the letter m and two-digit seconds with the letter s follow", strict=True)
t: 5h26
